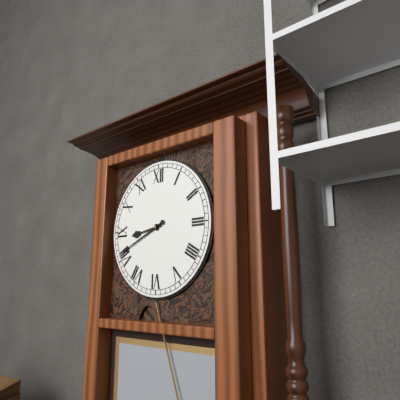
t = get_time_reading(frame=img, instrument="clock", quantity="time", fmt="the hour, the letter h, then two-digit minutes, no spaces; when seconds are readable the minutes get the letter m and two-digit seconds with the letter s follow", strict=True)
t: 8h41
